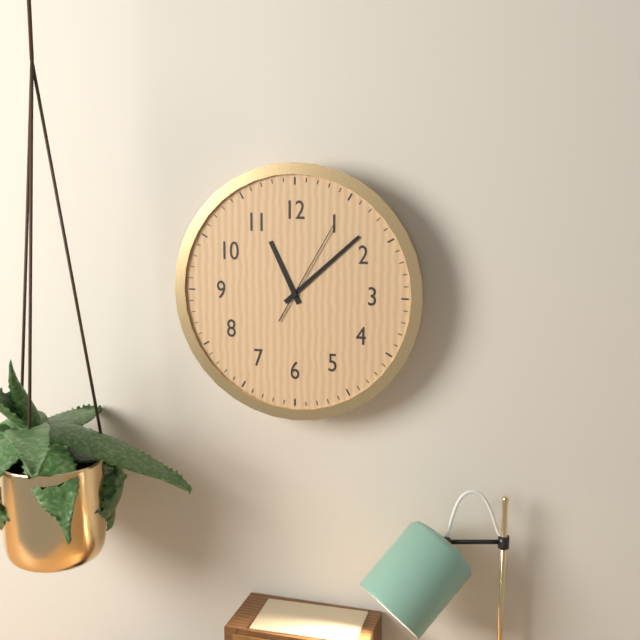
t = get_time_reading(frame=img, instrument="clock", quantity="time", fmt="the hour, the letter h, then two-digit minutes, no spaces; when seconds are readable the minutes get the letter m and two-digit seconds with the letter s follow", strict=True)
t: 11h08m05s
